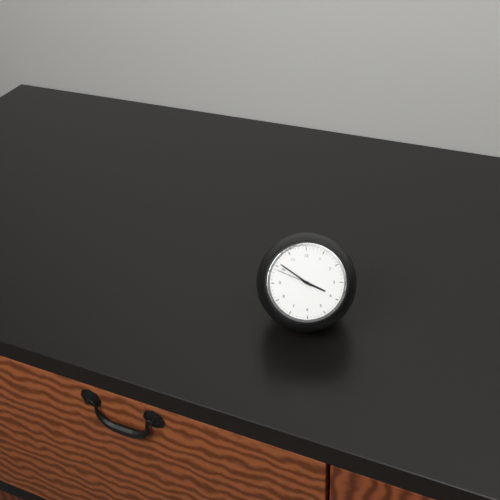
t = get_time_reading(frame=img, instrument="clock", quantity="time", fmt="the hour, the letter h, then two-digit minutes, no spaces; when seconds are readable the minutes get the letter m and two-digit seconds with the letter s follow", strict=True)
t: 3h51
